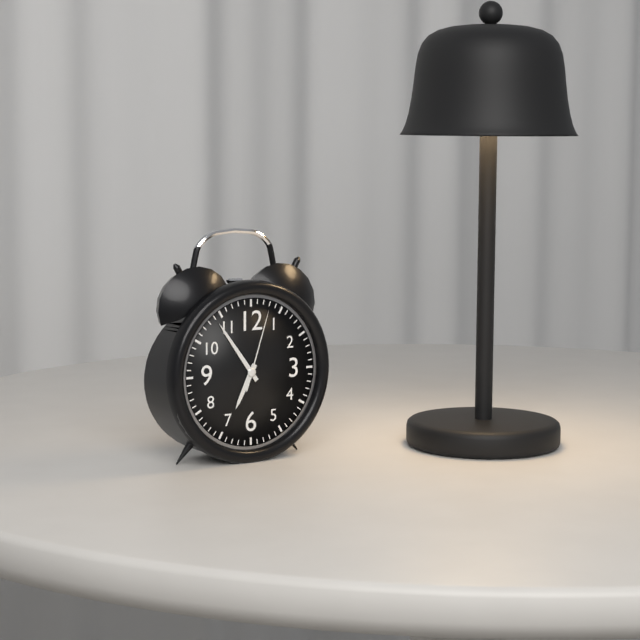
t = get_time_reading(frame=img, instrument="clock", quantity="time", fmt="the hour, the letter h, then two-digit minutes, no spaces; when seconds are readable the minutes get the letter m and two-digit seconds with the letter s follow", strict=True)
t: 6h54m03s
